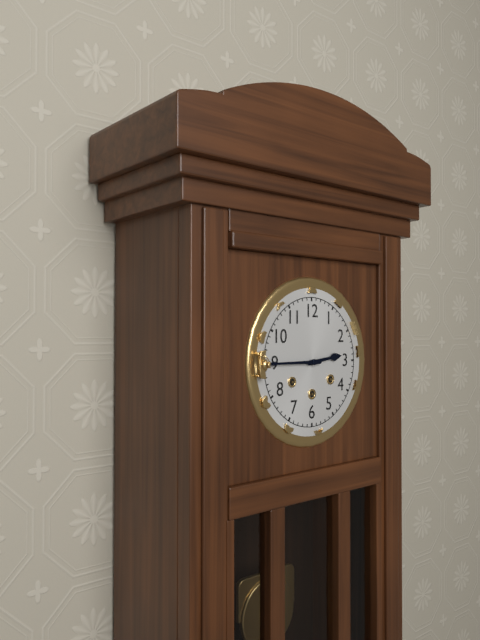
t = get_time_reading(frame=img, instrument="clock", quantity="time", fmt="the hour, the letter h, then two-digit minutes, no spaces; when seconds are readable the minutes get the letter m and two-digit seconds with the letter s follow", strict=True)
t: 2h45
